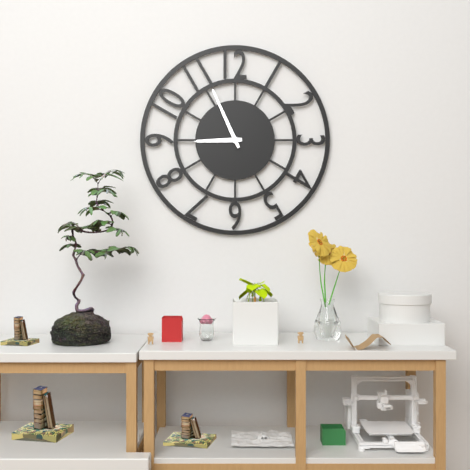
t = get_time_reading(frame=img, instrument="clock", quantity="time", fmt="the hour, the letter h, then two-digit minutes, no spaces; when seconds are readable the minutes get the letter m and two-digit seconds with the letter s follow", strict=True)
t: 8h56
